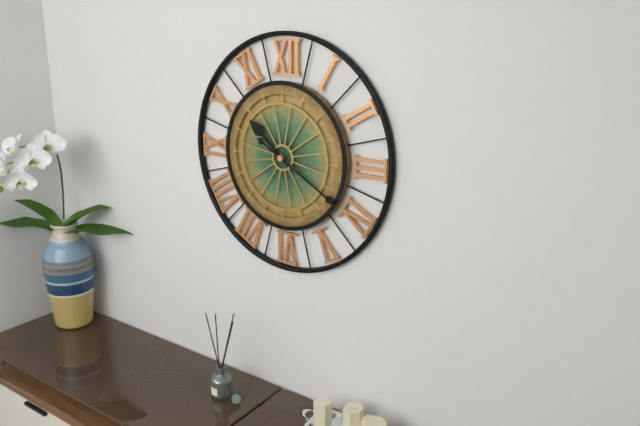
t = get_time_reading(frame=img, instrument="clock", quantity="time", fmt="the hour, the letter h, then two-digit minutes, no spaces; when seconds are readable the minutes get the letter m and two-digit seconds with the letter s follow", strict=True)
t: 10h20
